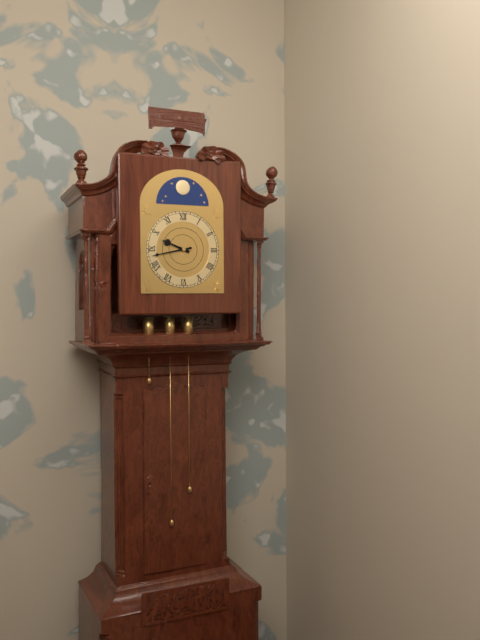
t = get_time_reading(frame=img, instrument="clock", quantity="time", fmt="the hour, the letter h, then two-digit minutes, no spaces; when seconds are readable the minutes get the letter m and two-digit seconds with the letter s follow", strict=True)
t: 9h43
